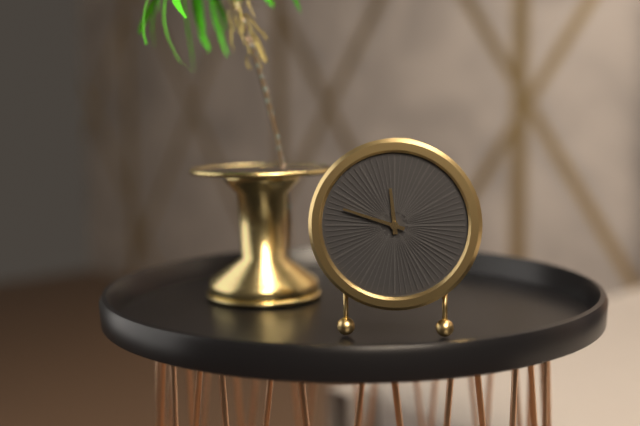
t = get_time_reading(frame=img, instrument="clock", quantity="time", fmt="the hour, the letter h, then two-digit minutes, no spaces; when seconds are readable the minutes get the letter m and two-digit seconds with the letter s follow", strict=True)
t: 11h48
